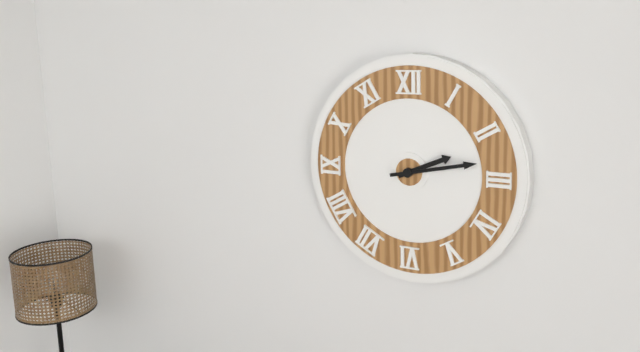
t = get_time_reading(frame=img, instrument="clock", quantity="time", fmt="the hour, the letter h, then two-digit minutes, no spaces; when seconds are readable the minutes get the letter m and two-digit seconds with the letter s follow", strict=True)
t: 2h13
